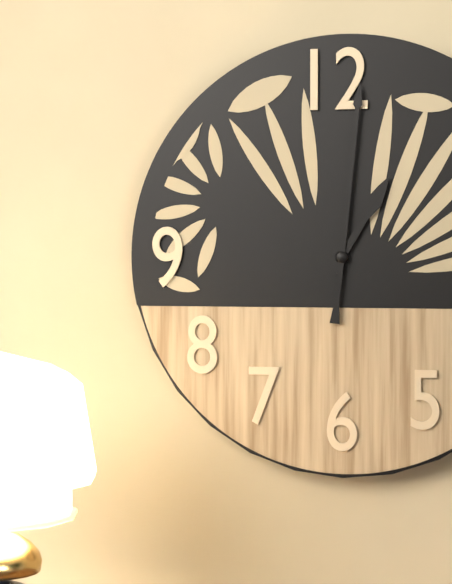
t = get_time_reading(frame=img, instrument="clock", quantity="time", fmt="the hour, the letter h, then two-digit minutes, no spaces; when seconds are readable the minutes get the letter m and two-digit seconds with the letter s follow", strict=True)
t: 1h01
